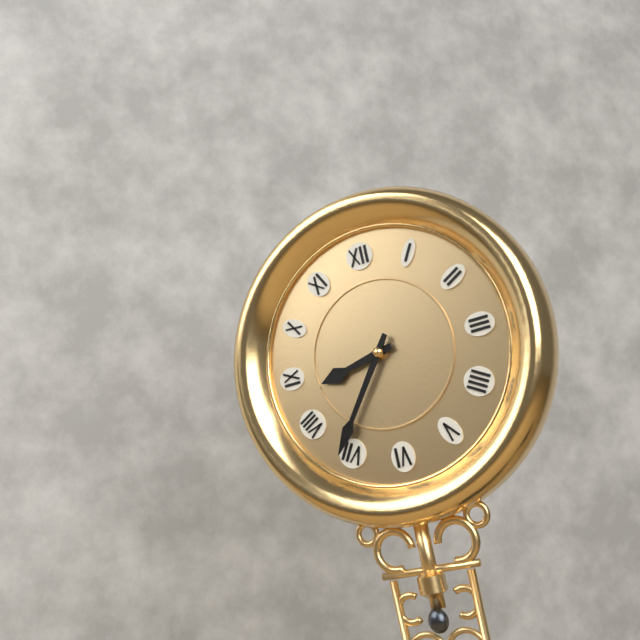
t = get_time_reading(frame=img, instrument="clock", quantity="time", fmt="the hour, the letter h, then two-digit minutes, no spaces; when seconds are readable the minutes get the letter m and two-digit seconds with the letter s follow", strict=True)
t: 8h36
